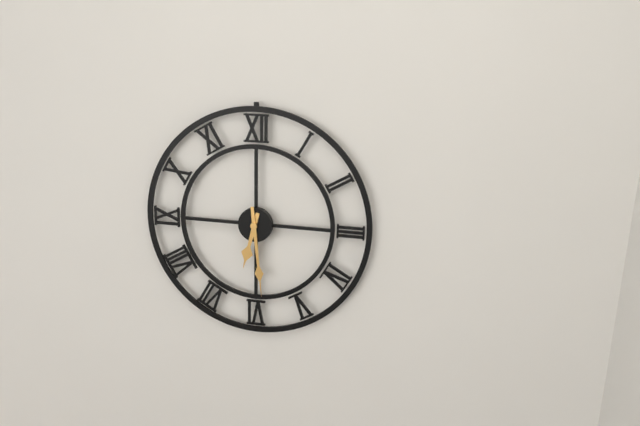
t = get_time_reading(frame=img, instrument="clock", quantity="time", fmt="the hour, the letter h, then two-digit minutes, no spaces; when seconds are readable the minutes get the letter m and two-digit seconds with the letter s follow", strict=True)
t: 6h29
